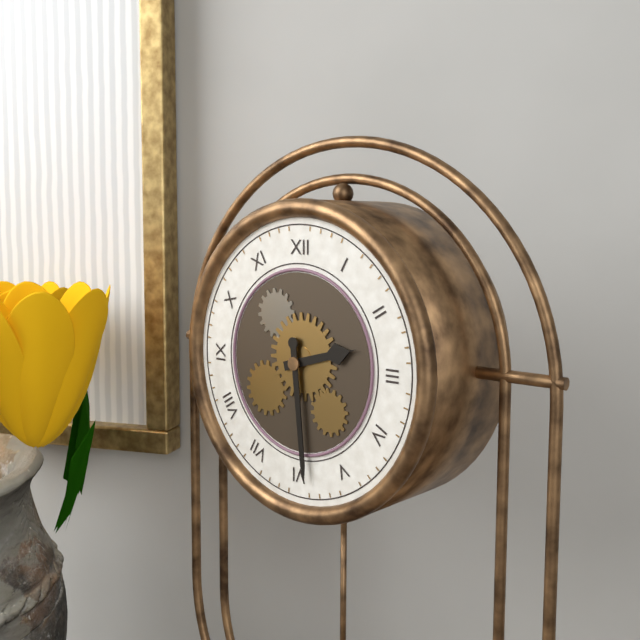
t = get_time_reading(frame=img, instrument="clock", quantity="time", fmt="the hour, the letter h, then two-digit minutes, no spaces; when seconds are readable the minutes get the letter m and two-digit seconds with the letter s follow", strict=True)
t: 2h29
